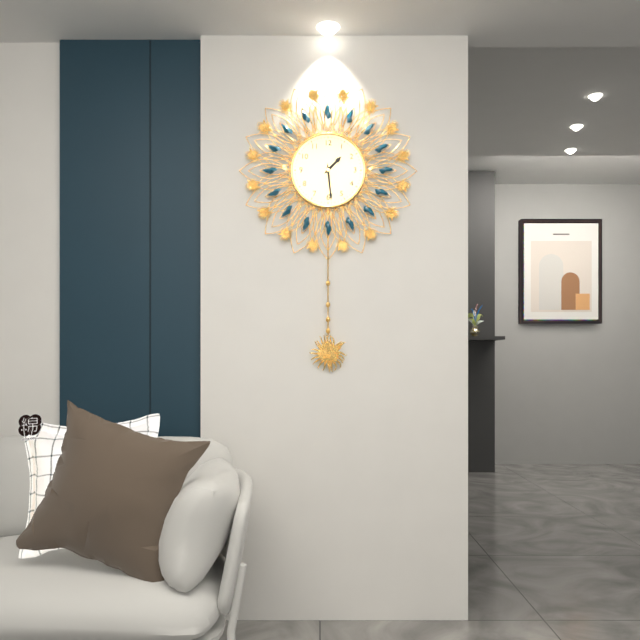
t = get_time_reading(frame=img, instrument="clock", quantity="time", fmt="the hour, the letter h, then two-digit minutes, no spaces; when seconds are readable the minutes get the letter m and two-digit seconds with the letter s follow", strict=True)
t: 1h29
